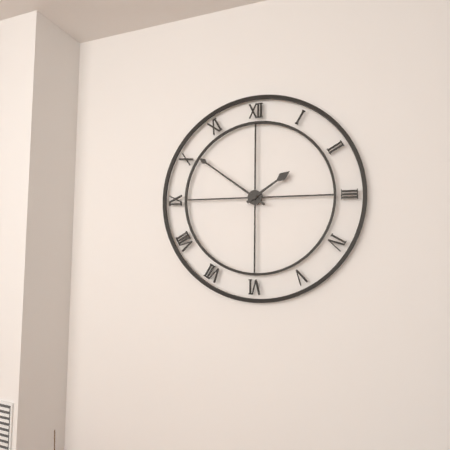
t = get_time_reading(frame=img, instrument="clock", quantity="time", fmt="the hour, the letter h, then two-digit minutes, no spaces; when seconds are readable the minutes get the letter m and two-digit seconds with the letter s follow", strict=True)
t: 1h51
